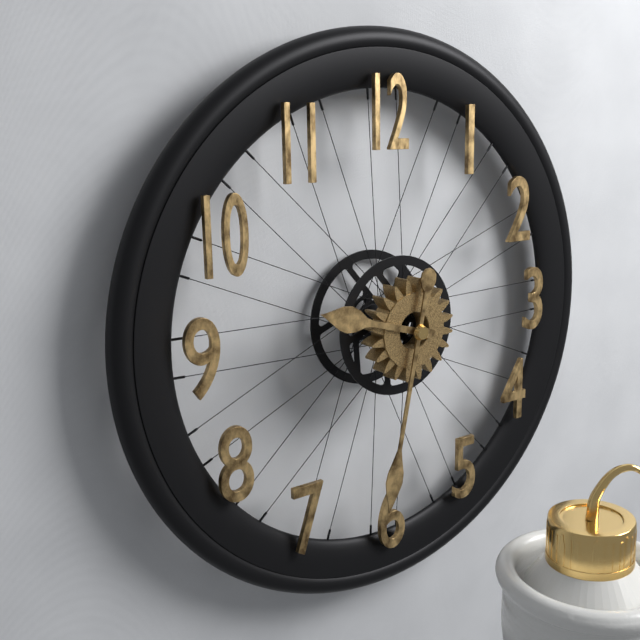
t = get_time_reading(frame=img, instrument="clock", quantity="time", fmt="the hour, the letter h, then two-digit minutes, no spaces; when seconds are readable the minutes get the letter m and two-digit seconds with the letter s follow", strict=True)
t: 9h32
